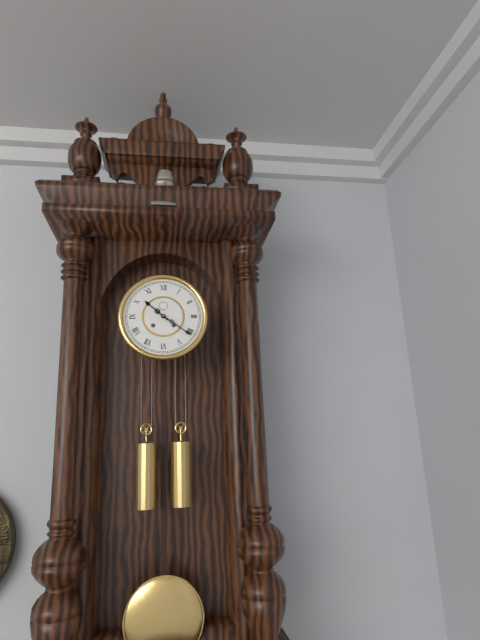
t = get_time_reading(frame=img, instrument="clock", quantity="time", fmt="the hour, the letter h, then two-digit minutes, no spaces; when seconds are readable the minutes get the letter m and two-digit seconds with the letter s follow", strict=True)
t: 10h21
